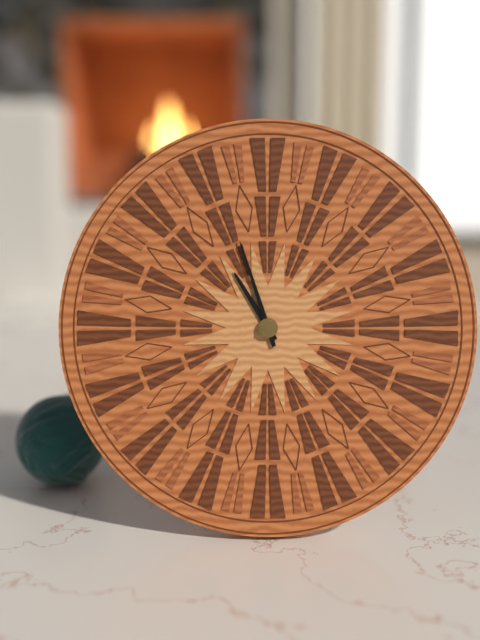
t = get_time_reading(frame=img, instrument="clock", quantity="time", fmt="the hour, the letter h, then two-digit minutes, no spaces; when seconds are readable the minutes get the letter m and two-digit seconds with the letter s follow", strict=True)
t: 10h57
